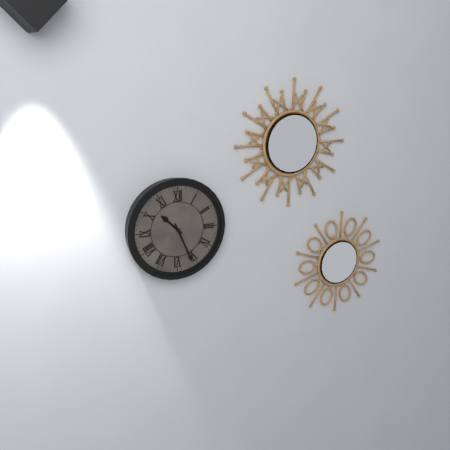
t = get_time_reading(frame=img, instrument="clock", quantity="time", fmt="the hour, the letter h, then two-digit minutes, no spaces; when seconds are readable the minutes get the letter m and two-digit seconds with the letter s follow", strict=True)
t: 10h26
